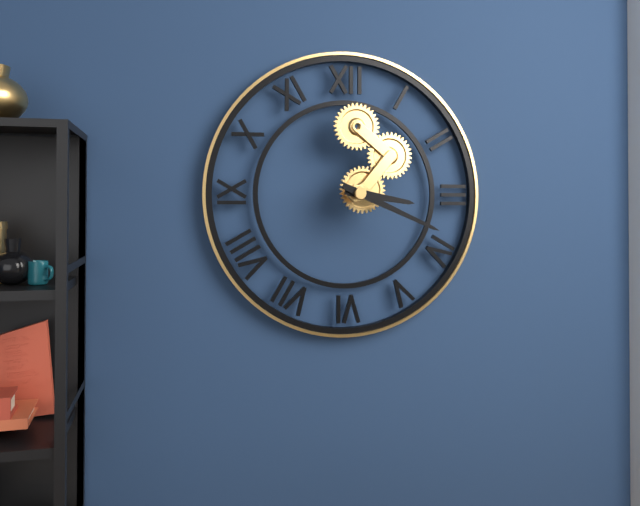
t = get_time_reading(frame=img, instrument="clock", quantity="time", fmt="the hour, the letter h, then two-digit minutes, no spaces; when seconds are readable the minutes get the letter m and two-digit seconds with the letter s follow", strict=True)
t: 3h19
